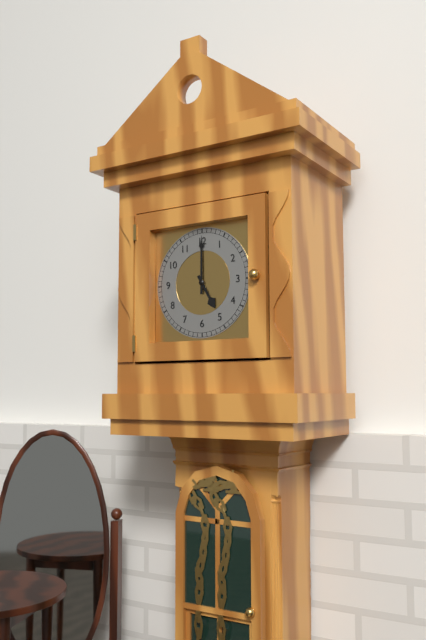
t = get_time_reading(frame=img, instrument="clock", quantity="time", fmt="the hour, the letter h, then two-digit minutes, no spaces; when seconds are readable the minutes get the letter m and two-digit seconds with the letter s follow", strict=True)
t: 5h00
